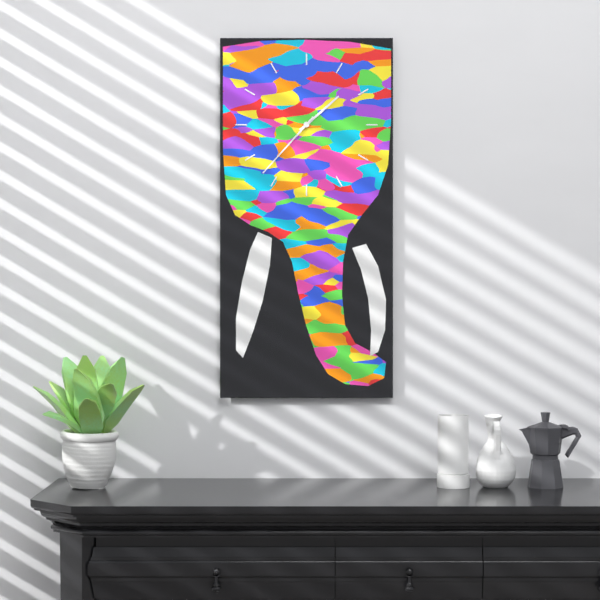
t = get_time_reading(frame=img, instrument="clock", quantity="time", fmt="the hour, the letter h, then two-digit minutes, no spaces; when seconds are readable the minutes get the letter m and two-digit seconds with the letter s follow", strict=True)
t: 1h37
